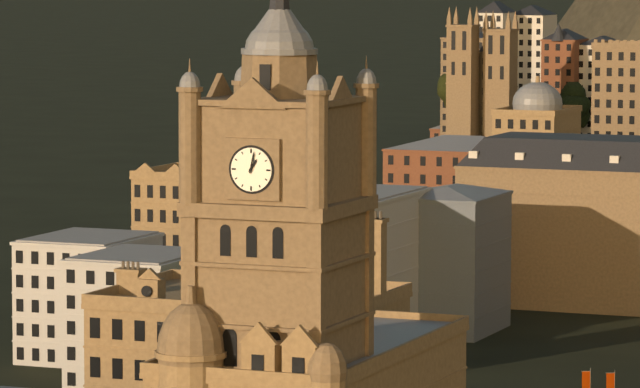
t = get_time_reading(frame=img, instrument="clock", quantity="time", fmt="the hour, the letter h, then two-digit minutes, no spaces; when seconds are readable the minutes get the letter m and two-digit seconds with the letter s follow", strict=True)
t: 1h02
